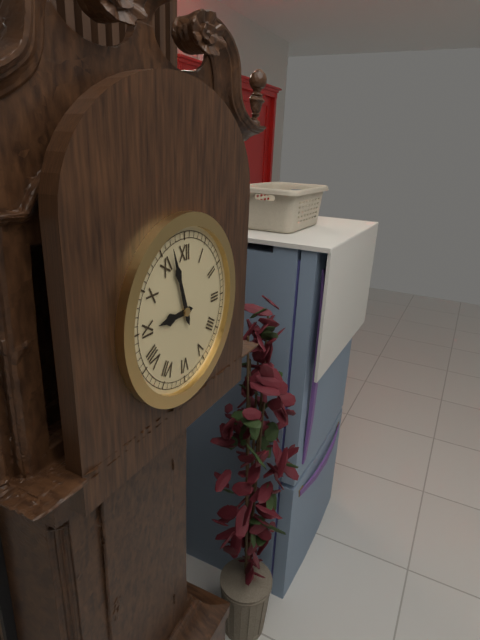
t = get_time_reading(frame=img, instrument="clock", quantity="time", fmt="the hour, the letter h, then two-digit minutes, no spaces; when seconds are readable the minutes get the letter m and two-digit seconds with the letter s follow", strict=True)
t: 8h57
